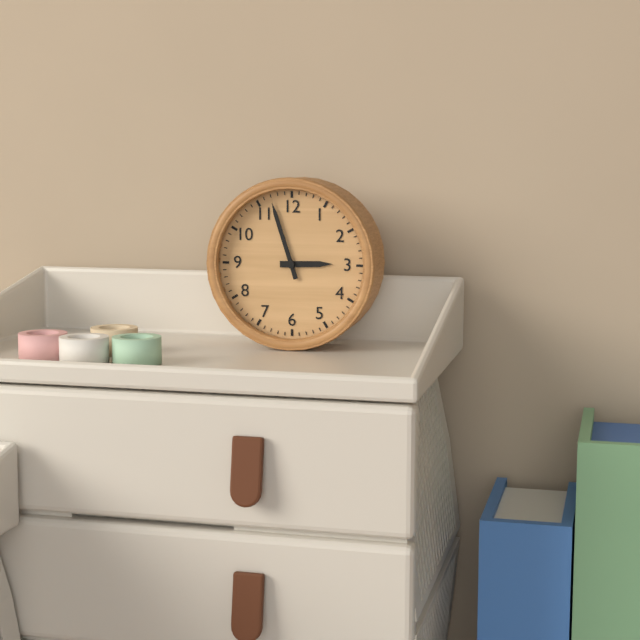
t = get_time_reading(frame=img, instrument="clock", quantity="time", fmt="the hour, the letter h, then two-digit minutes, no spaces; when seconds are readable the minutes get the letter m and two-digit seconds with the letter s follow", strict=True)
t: 2h57
